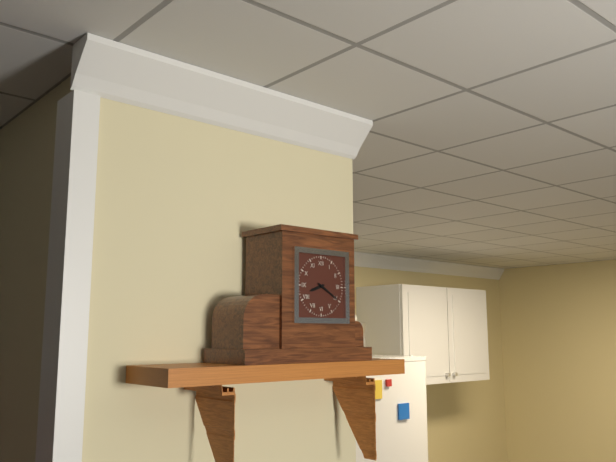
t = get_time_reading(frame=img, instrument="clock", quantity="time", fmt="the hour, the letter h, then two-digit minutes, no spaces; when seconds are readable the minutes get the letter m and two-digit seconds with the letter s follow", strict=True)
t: 8h20
